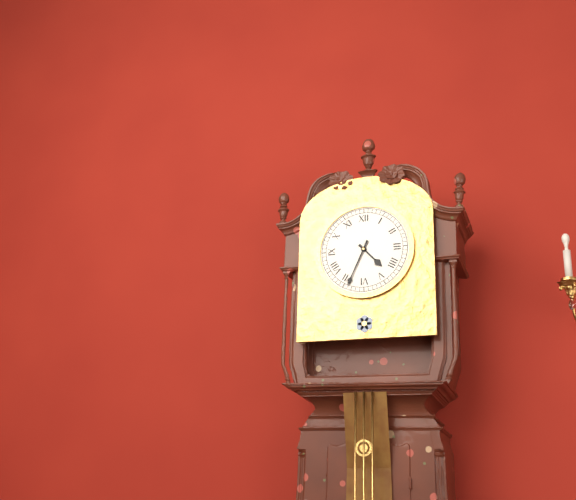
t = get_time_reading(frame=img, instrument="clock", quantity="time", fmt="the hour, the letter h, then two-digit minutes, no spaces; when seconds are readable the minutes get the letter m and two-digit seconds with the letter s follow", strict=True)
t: 4h34
